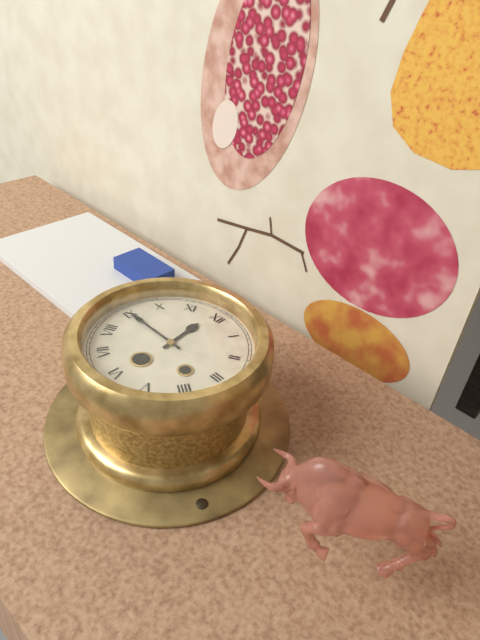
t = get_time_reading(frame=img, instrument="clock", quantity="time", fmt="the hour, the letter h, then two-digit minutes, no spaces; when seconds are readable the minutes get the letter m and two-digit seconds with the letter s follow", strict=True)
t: 11h45
